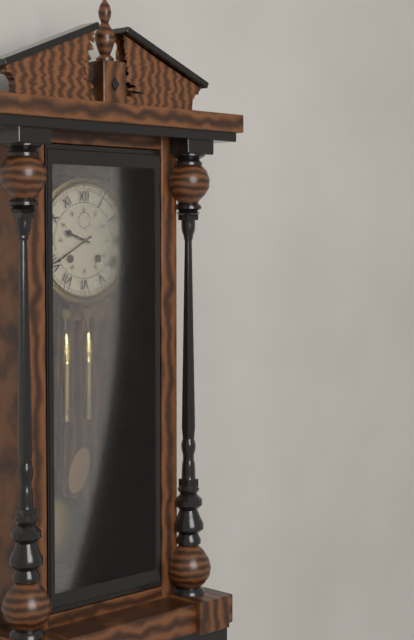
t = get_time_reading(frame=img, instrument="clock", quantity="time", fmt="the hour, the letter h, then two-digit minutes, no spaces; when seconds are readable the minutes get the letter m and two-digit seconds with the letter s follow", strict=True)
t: 9h40
